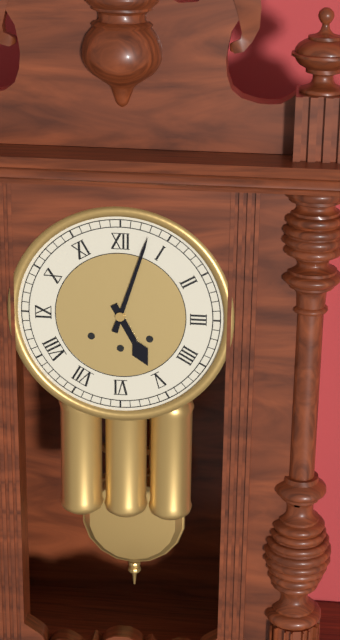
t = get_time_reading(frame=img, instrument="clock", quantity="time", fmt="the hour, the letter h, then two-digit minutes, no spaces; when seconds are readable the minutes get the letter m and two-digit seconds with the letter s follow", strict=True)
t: 5h03
